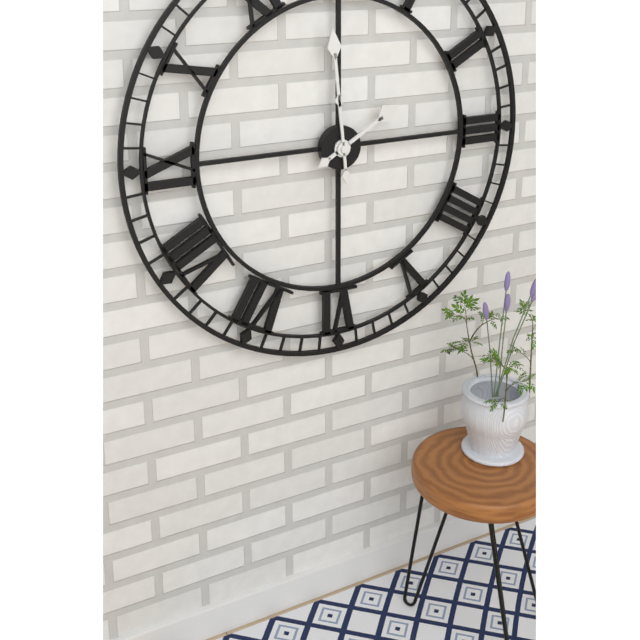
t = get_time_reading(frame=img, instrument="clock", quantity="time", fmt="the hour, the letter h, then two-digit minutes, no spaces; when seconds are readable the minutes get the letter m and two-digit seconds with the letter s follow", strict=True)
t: 1h59
